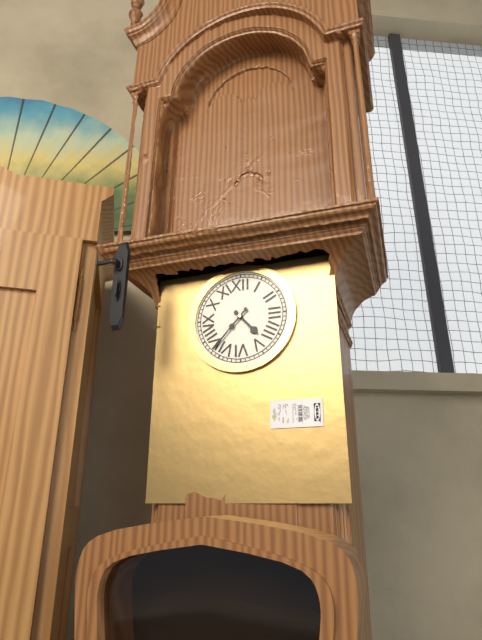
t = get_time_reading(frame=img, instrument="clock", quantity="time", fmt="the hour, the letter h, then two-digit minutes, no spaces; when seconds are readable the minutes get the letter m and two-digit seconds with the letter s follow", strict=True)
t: 4h37
